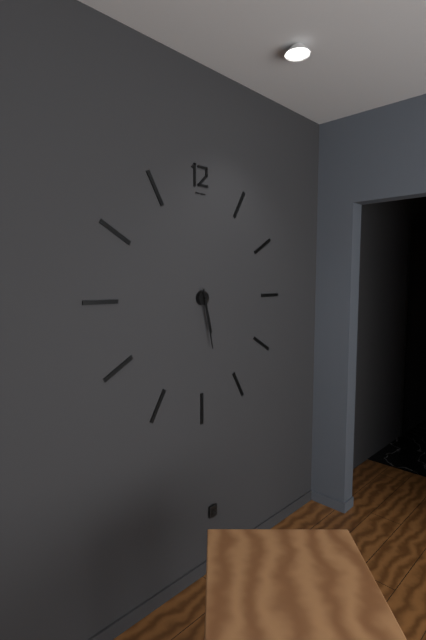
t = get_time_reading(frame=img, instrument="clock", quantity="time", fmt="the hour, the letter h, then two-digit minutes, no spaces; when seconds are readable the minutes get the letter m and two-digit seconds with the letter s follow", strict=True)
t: 5h28
